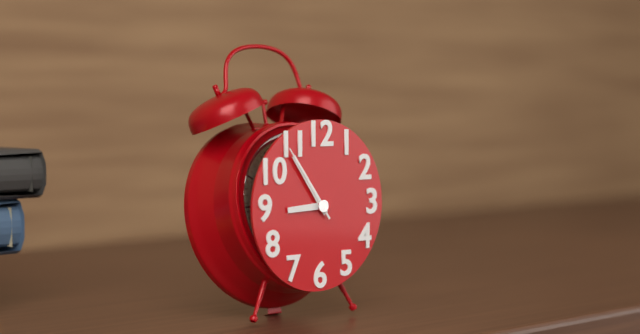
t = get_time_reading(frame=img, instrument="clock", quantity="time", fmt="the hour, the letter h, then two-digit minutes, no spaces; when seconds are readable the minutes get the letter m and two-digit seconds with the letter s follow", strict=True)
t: 8h54m54s
